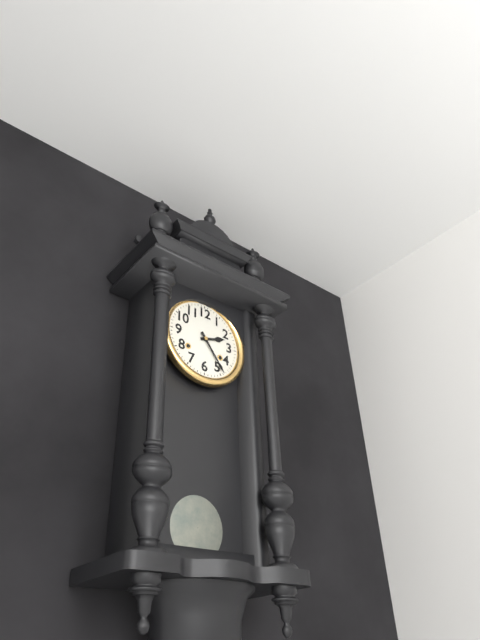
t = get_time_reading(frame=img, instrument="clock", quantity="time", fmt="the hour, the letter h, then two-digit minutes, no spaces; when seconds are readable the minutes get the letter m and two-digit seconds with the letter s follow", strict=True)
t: 2h24
